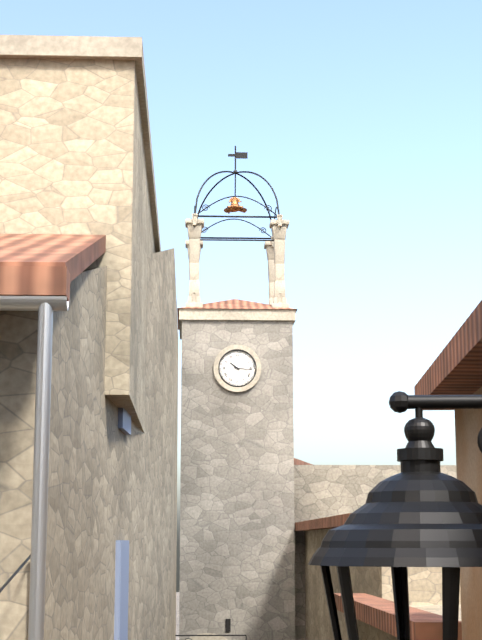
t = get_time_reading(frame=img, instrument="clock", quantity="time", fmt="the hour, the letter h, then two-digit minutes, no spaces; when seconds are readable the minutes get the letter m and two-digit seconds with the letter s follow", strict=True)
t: 10h16
